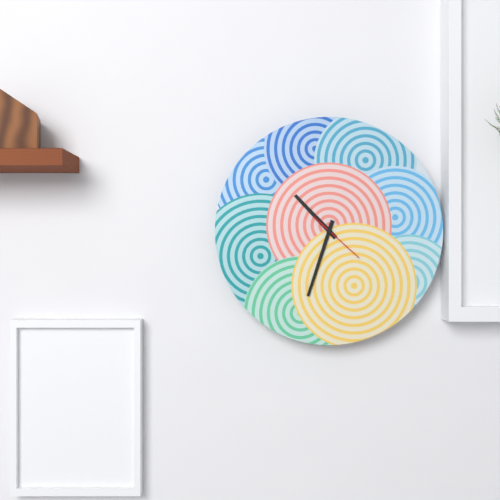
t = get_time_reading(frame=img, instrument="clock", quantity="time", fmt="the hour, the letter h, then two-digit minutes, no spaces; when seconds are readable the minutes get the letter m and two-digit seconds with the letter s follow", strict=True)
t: 10h33m22s
